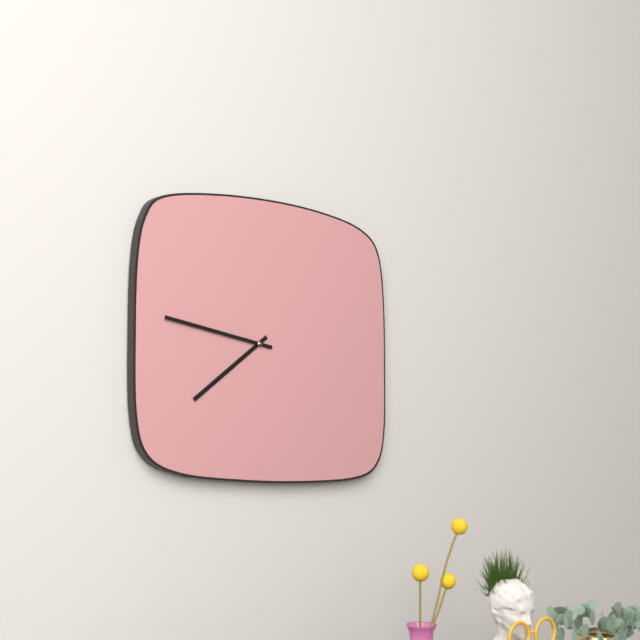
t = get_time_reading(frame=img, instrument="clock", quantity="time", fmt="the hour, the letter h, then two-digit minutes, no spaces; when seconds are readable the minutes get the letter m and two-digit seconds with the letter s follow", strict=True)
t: 7h47
